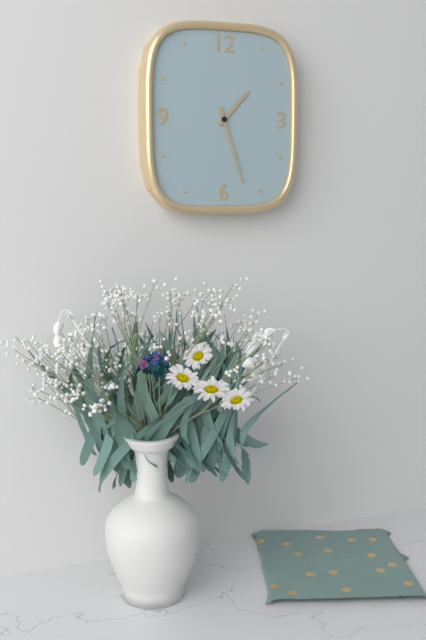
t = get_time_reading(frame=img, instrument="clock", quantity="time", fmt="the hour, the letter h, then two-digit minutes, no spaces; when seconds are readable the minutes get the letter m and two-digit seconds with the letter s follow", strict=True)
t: 1h27
